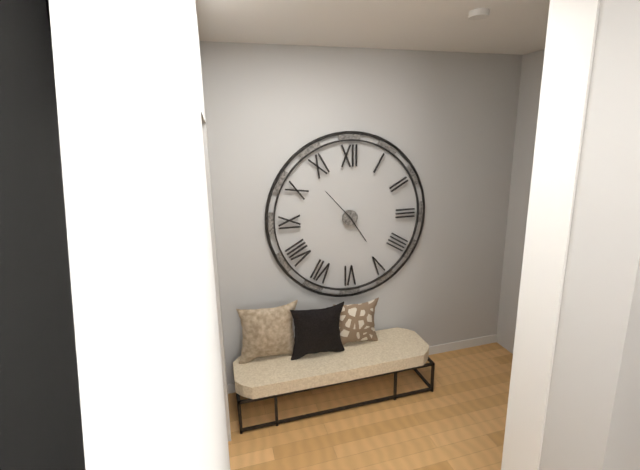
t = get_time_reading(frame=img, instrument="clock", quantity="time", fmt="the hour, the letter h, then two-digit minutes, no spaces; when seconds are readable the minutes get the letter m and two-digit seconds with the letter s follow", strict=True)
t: 4h53
